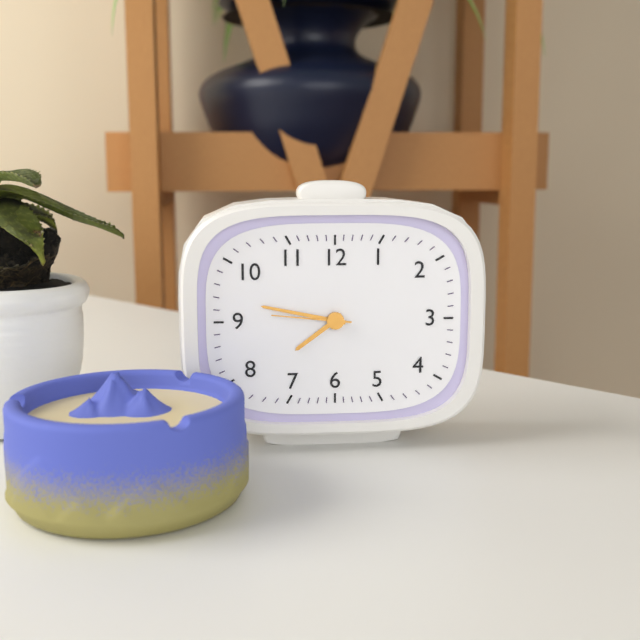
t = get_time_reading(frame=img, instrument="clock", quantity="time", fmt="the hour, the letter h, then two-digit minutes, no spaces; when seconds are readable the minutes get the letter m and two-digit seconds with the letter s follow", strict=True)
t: 7h47m46s
